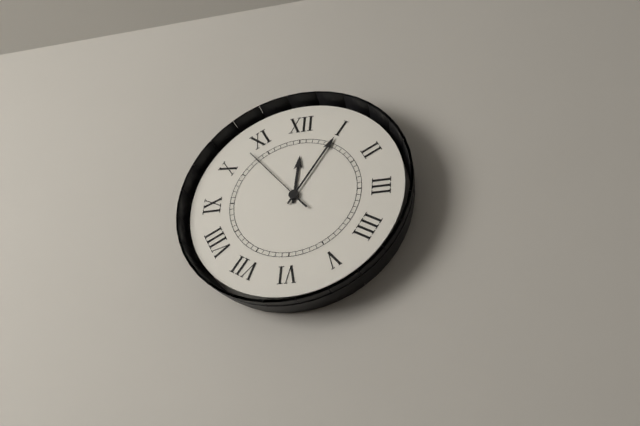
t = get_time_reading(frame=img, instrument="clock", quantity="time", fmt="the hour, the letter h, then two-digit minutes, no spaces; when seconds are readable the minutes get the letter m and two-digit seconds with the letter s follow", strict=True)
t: 12h05m53s
